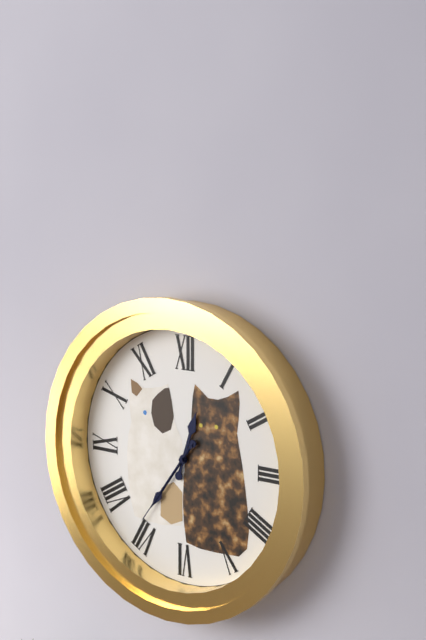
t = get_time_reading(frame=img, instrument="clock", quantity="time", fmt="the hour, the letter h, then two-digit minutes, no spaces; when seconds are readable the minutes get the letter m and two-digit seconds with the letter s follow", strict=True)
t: 12h36m36s
